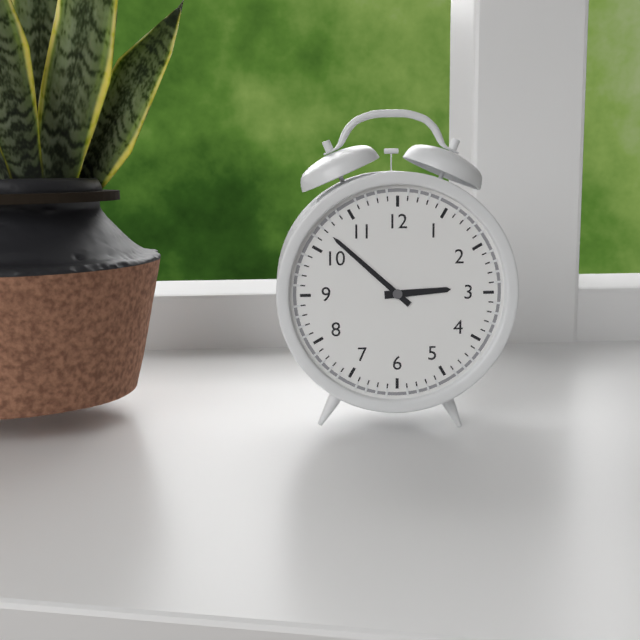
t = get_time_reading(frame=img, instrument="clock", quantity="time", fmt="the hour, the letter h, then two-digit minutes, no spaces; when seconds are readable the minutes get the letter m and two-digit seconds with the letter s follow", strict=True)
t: 2h52
